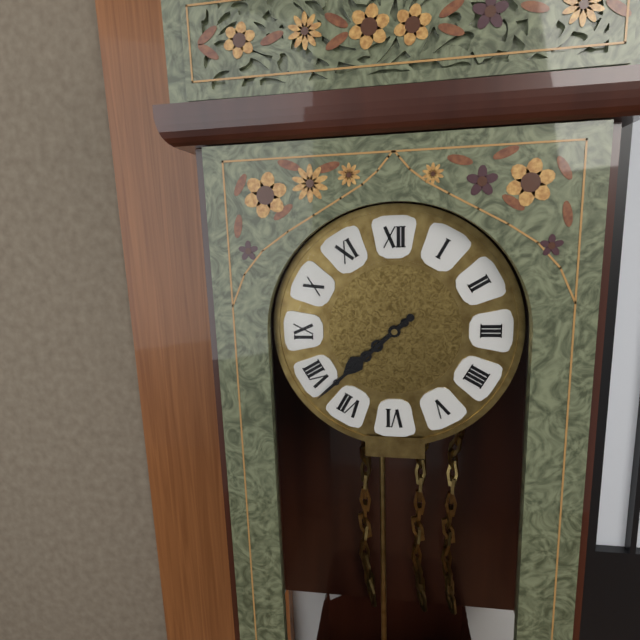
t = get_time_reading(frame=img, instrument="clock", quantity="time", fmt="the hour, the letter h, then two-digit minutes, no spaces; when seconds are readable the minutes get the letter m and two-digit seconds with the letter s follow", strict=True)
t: 7h38
